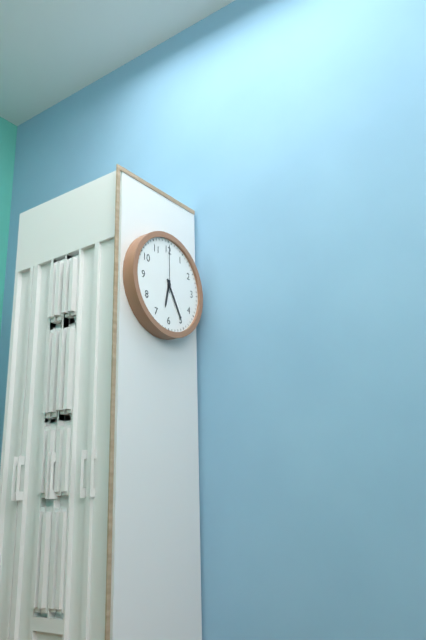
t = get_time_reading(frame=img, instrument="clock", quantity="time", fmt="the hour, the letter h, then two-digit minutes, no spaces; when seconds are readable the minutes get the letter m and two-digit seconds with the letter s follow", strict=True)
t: 6h25m00s
